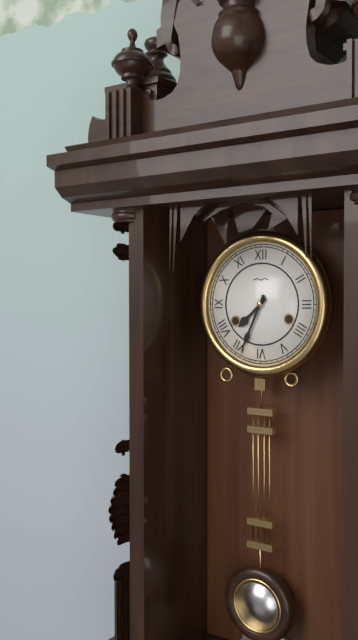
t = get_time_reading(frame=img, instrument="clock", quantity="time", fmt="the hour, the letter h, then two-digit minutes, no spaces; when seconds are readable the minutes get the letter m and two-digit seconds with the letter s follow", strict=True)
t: 7h34
